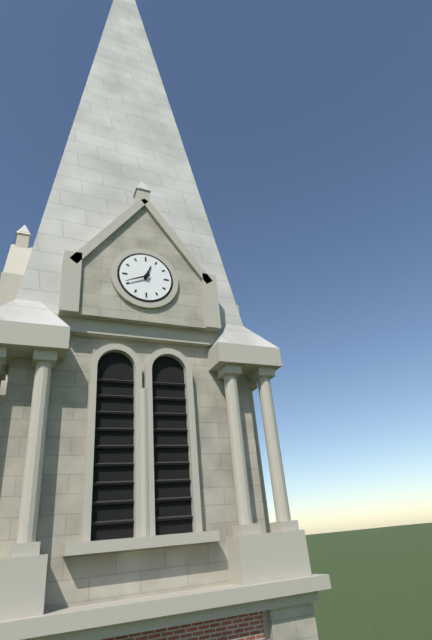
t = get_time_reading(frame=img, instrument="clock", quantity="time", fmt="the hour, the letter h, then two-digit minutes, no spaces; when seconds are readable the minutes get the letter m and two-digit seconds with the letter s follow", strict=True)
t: 12h41
